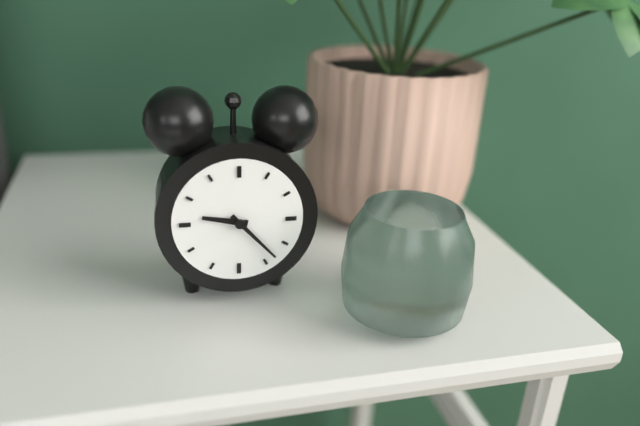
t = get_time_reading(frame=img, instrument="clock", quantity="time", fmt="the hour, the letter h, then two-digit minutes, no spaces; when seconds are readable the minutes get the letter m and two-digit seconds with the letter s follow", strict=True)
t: 9h23
